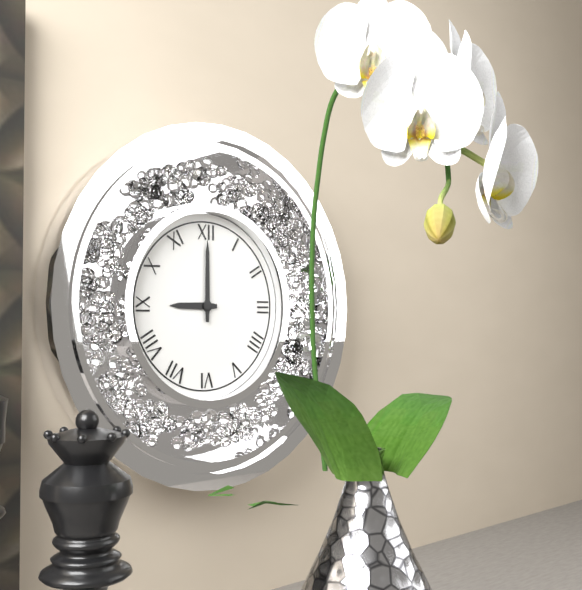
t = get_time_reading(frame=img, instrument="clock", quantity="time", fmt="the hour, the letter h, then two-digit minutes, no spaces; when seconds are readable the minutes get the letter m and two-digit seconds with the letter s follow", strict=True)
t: 9h00
